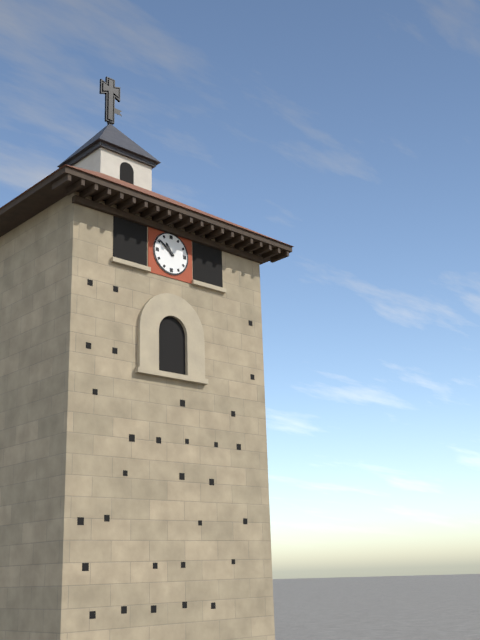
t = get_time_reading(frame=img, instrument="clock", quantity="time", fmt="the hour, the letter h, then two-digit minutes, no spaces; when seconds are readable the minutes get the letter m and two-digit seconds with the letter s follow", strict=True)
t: 10h51
